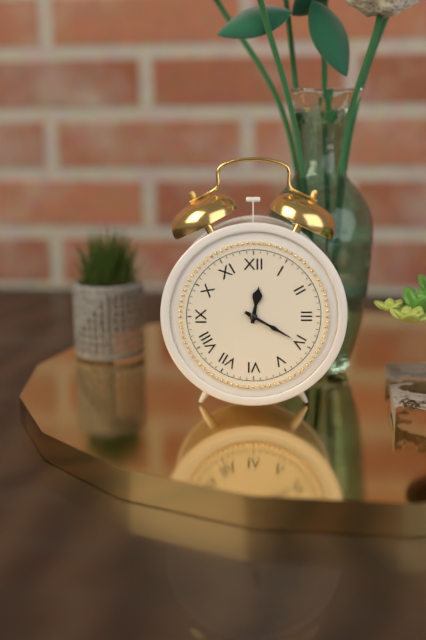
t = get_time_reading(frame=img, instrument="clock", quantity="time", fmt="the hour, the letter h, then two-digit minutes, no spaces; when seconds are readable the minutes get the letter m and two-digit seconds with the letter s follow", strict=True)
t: 12h20
